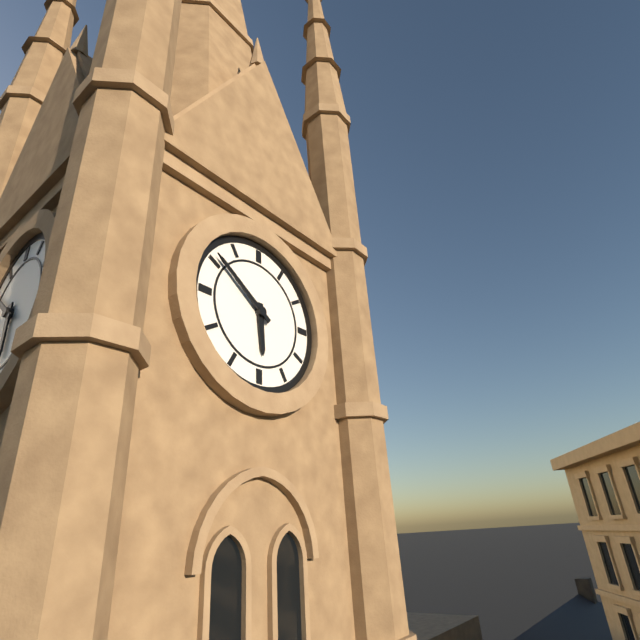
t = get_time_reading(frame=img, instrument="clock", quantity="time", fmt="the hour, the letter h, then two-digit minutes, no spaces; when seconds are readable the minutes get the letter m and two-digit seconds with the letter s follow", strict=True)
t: 5h51
